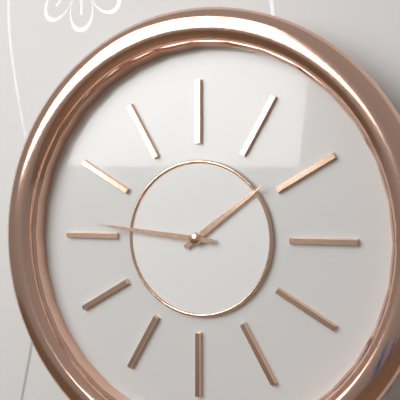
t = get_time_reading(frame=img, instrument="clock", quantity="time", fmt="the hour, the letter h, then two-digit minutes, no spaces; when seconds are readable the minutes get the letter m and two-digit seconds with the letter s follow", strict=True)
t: 1h46
